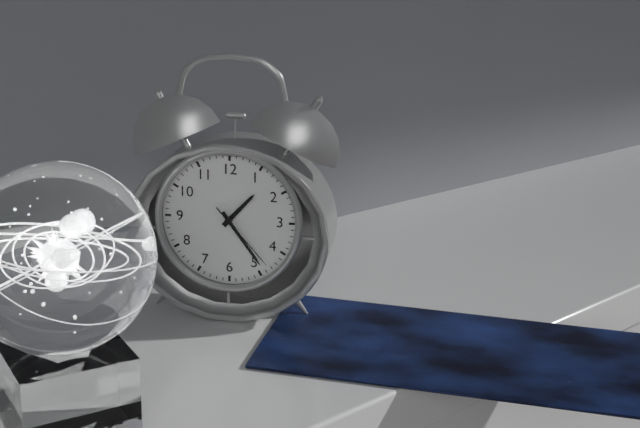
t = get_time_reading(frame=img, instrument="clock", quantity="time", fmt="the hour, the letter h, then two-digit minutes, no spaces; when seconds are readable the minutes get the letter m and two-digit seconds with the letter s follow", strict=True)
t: 1h24m23s
